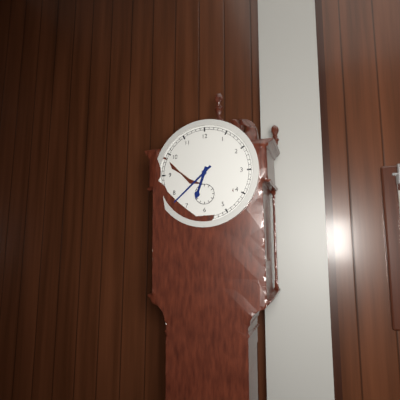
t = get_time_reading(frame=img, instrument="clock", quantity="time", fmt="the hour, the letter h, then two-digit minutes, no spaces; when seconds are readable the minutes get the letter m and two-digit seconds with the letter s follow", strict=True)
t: 6h38
